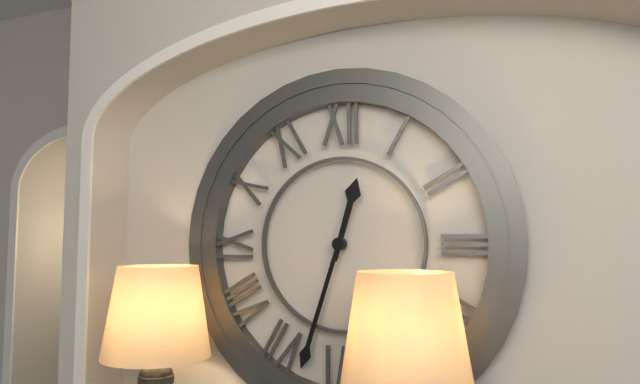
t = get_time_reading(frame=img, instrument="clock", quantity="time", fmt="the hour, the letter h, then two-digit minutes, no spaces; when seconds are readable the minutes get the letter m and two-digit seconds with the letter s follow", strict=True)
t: 12h33
